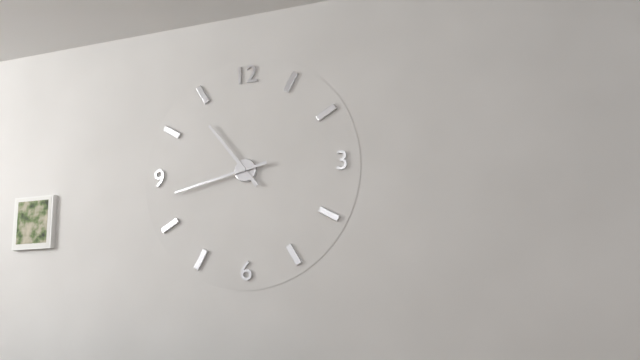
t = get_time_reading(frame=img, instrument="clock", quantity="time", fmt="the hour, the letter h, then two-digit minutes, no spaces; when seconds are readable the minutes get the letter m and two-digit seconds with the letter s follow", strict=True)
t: 10h43
